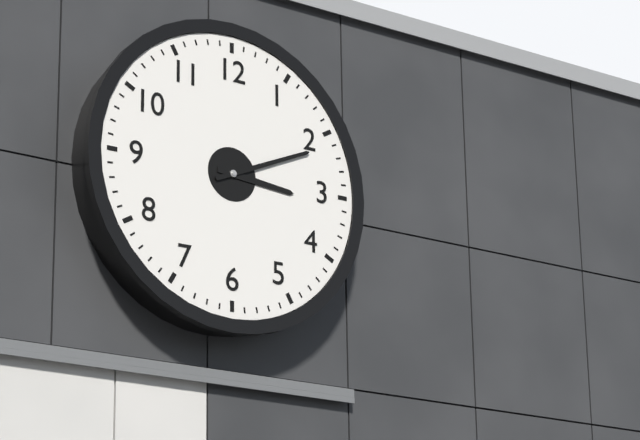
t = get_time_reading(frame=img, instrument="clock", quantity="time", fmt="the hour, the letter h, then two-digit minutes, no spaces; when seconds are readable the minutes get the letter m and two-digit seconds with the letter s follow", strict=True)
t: 3h11
